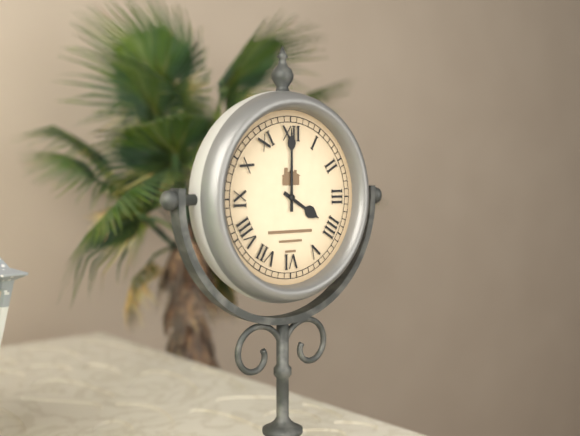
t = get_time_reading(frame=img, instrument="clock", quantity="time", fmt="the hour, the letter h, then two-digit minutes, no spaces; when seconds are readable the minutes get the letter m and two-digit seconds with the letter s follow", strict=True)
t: 4h00
